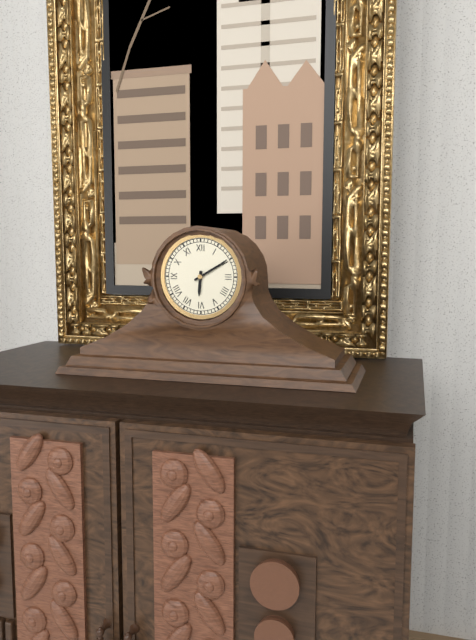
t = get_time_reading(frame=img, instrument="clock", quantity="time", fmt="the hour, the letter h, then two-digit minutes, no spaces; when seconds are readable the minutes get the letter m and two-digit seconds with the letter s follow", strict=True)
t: 6h10
